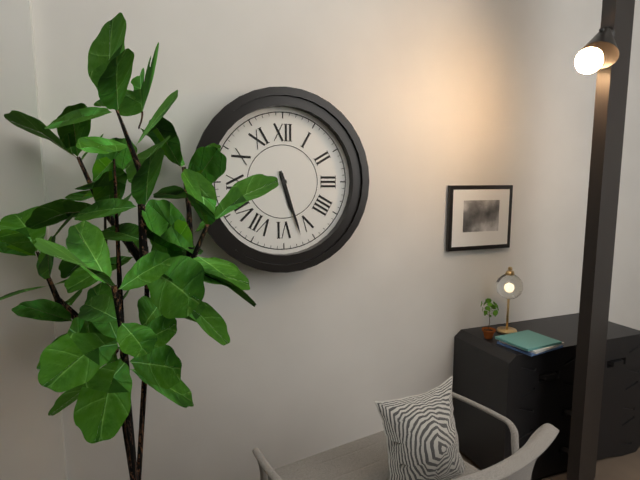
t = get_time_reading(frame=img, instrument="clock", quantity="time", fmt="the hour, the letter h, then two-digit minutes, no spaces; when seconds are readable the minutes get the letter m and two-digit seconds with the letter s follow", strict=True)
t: 5h27
